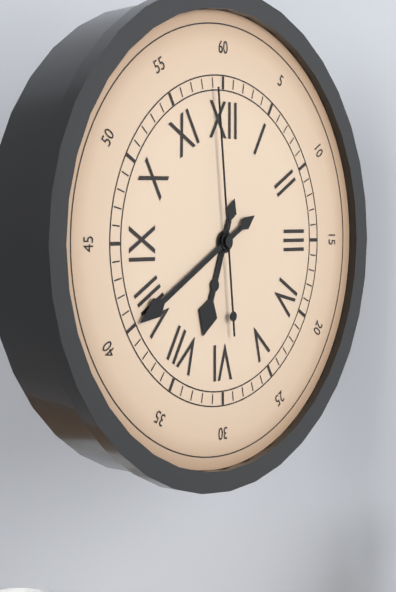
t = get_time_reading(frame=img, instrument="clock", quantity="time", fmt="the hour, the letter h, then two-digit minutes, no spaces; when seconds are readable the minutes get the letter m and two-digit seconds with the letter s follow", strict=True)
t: 6h40m59s
